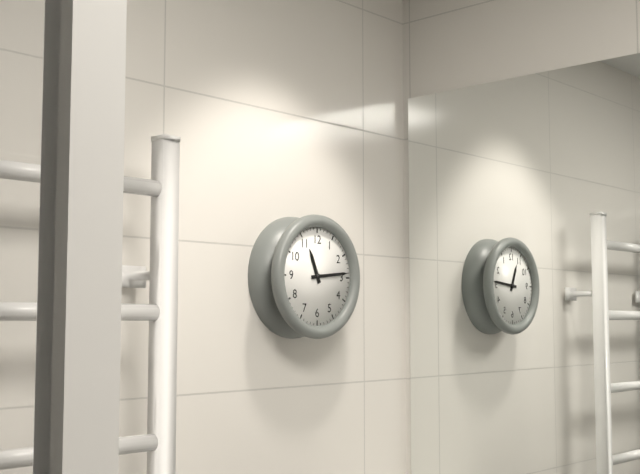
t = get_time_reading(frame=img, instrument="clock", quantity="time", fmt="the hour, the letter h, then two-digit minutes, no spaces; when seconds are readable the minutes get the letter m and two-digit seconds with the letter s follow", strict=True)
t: 11h14
